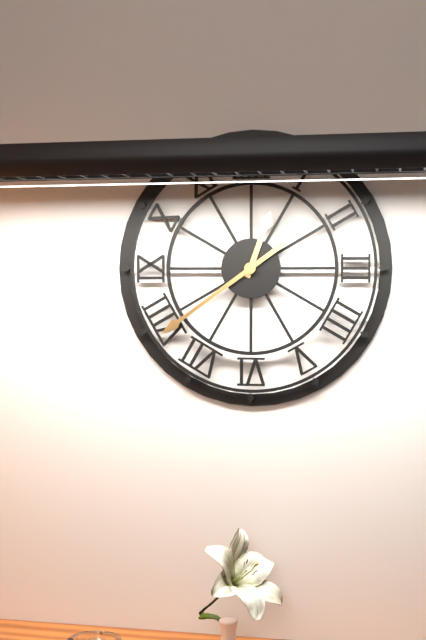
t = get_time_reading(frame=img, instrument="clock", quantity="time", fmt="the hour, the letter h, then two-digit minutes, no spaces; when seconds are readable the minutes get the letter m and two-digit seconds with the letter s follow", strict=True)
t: 12h39
